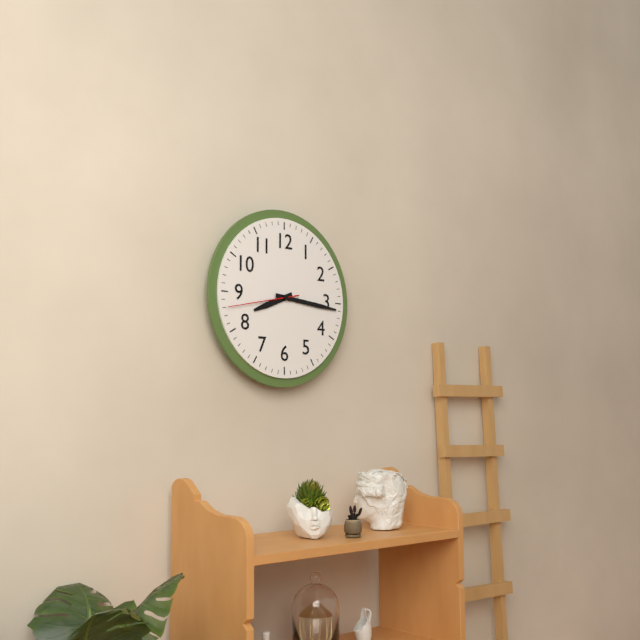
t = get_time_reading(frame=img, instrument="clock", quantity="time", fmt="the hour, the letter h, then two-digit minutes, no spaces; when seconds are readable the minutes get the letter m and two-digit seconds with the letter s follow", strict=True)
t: 8h16m43s
